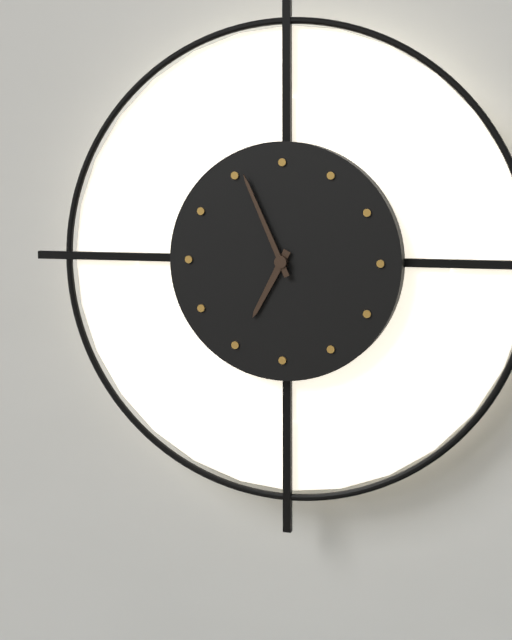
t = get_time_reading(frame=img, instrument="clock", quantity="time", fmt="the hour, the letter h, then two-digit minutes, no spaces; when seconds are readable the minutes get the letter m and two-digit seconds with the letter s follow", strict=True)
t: 6h56
